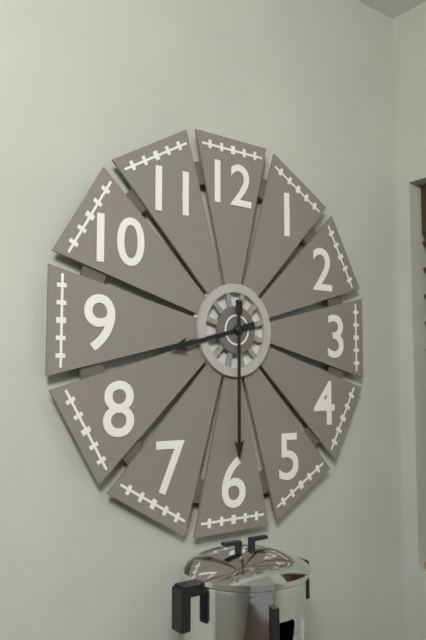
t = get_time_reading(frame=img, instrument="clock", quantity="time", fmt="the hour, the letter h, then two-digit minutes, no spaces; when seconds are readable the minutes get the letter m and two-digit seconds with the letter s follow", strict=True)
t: 8h30
